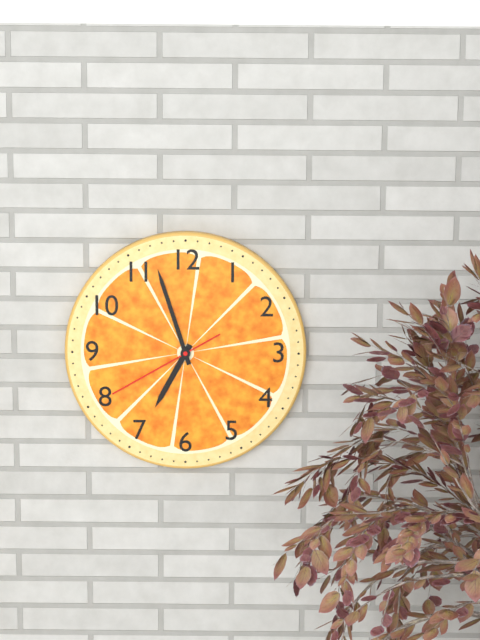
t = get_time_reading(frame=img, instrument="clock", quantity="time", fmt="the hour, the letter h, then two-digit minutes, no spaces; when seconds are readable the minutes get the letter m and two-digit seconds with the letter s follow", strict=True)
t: 6h57m40s
